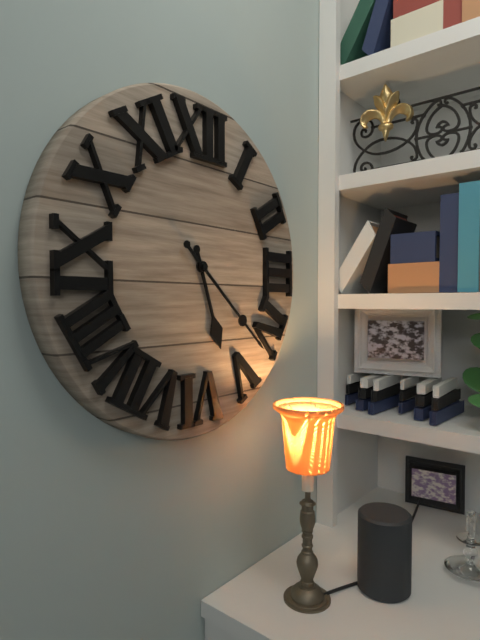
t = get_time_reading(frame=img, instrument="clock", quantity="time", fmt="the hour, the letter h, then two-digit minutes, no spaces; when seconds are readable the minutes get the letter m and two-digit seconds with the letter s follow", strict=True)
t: 5h22
